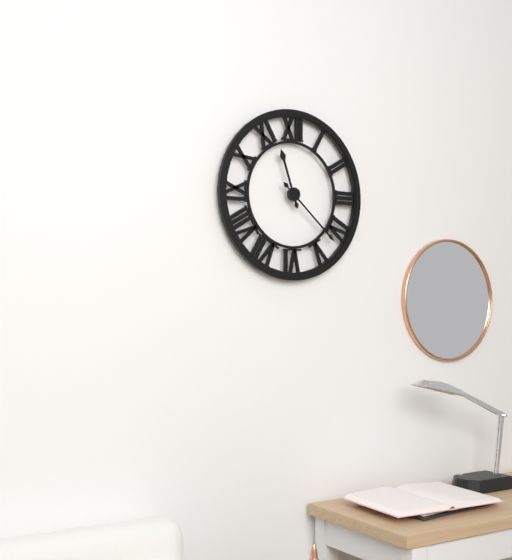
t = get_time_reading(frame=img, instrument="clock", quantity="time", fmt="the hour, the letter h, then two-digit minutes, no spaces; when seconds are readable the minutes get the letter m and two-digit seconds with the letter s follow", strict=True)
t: 11h22
